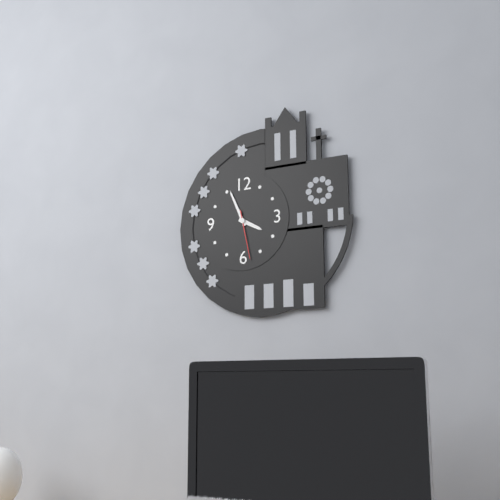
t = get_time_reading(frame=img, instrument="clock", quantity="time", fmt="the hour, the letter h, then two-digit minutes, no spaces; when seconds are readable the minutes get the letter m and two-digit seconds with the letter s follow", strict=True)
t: 3h56
